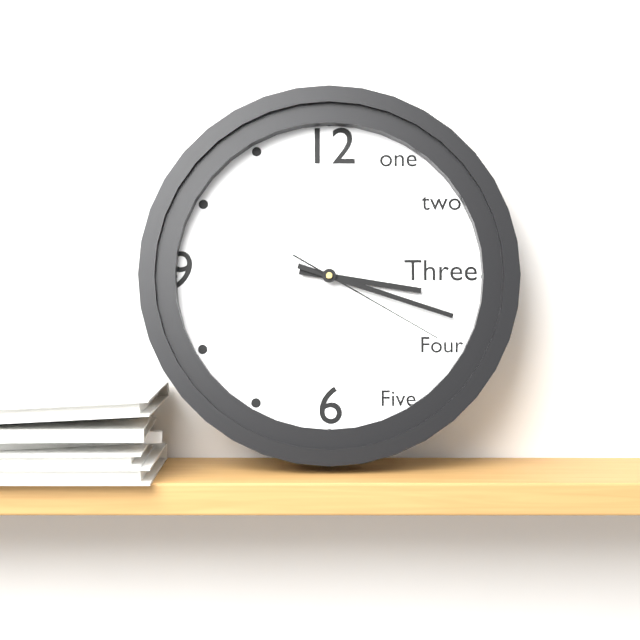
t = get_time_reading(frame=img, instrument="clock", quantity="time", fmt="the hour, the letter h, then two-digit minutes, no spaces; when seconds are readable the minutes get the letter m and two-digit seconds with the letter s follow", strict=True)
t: 3h18m20s
